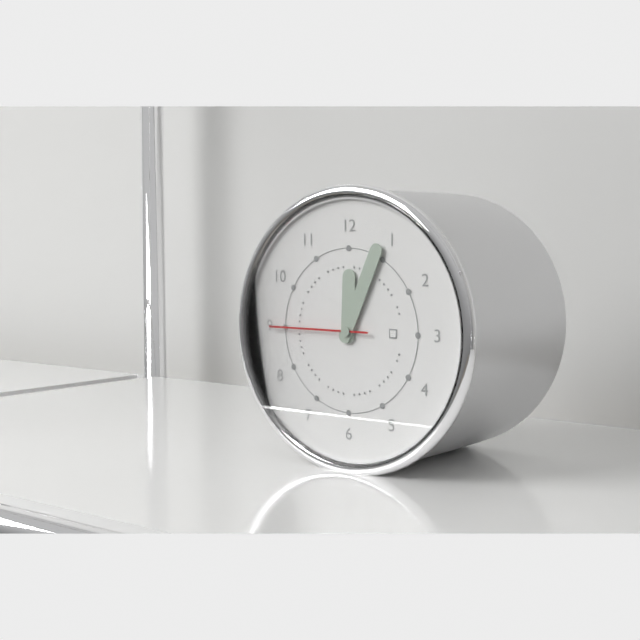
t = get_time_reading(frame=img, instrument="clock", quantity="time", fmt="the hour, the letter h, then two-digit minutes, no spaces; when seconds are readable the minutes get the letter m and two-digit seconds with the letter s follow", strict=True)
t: 12h04m45s
